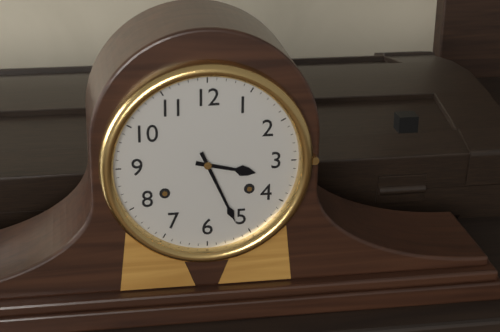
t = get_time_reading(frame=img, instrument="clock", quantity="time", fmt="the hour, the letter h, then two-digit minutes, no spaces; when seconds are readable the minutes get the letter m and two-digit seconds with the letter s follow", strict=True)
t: 3h26
